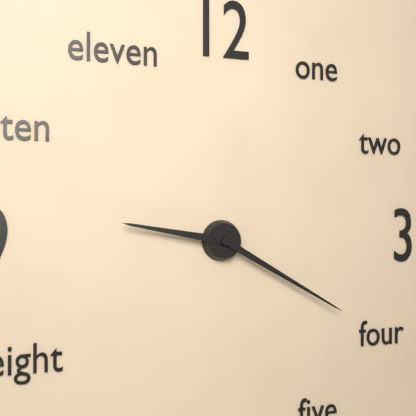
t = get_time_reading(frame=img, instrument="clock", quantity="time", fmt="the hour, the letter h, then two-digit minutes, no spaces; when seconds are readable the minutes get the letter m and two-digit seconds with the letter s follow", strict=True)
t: 9h20
